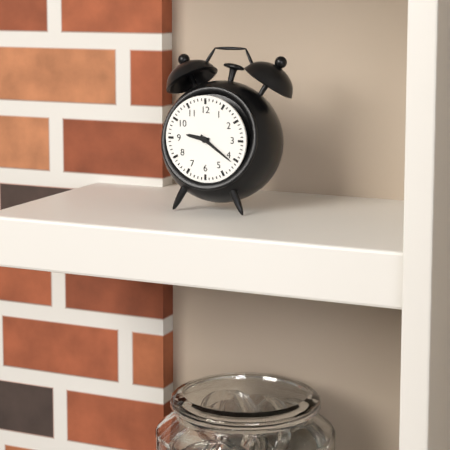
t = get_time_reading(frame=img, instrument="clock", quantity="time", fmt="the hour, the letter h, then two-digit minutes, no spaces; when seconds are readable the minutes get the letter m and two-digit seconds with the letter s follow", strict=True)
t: 9h21
